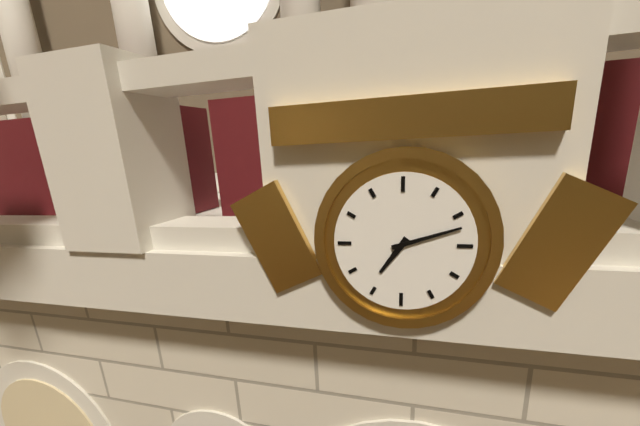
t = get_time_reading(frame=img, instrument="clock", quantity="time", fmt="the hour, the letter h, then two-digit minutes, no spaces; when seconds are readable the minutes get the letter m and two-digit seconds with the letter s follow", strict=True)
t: 7h12
